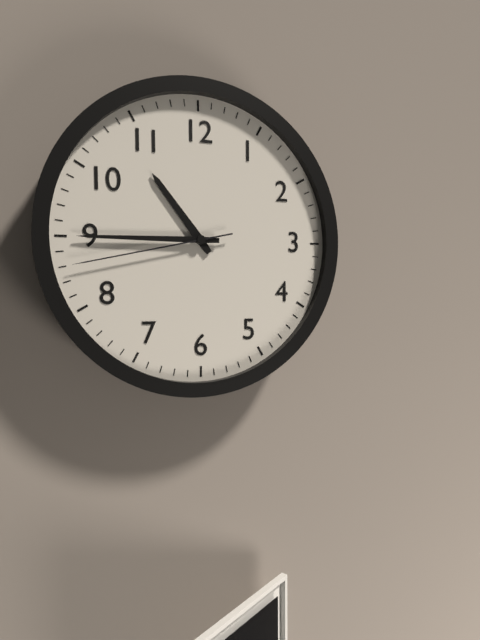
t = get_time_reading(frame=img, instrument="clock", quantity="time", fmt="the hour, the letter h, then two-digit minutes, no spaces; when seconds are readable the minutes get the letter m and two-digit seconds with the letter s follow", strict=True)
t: 10h45m43s
